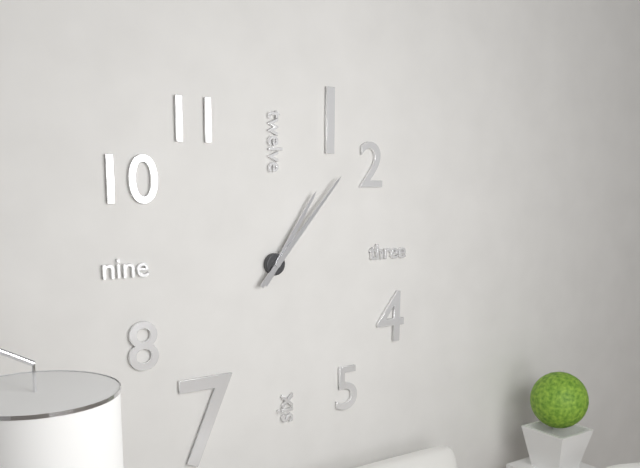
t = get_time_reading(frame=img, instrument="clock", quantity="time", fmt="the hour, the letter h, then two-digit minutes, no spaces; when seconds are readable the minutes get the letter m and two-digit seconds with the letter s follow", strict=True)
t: 1h07
